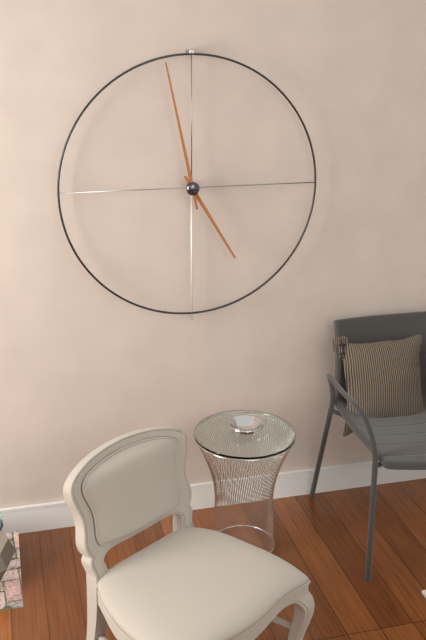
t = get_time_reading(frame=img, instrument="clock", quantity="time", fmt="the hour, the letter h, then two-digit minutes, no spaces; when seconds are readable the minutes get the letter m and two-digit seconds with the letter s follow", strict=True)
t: 4h58
